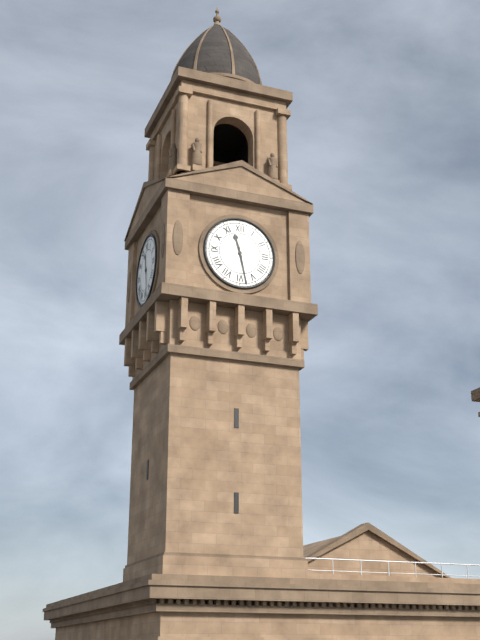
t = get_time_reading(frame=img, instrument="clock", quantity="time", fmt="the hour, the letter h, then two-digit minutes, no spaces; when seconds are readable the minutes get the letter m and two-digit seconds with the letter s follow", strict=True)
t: 11h28
